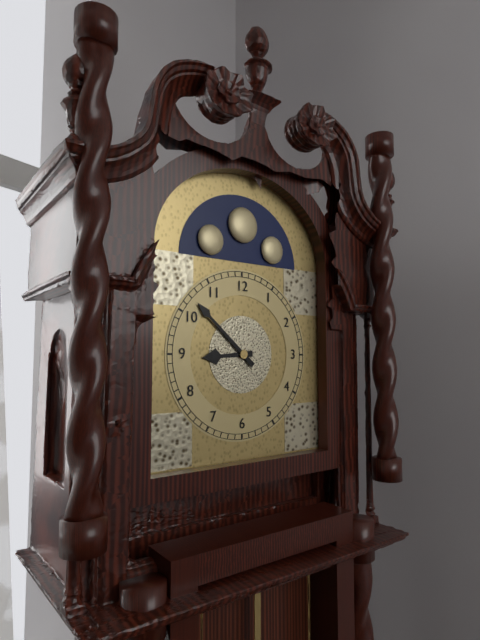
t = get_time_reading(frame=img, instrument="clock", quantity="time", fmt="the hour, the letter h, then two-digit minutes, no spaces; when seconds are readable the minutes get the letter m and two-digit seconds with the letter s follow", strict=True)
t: 8h52
